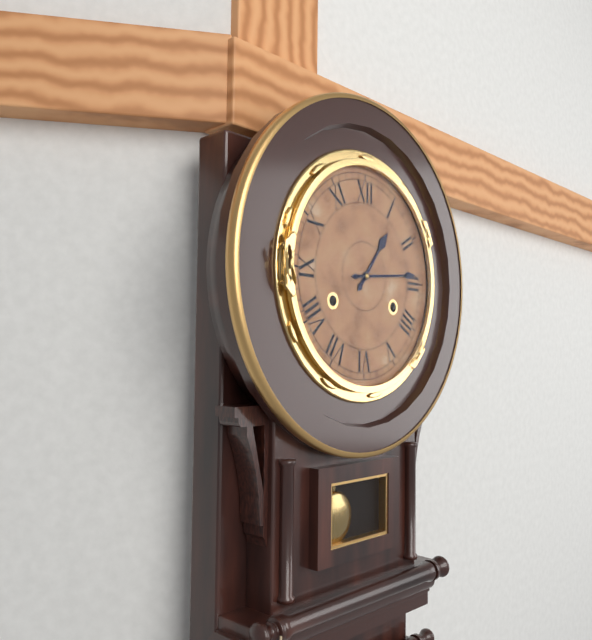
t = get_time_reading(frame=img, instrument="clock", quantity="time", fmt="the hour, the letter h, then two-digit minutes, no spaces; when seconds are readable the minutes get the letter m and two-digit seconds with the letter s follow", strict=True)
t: 1h14
